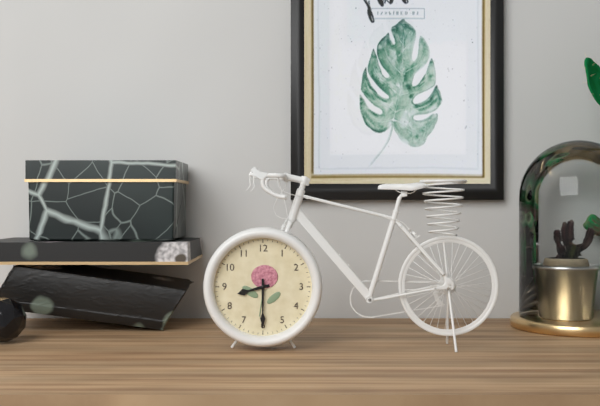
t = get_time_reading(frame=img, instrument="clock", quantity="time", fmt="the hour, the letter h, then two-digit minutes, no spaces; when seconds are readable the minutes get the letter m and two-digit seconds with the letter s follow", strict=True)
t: 8h30
